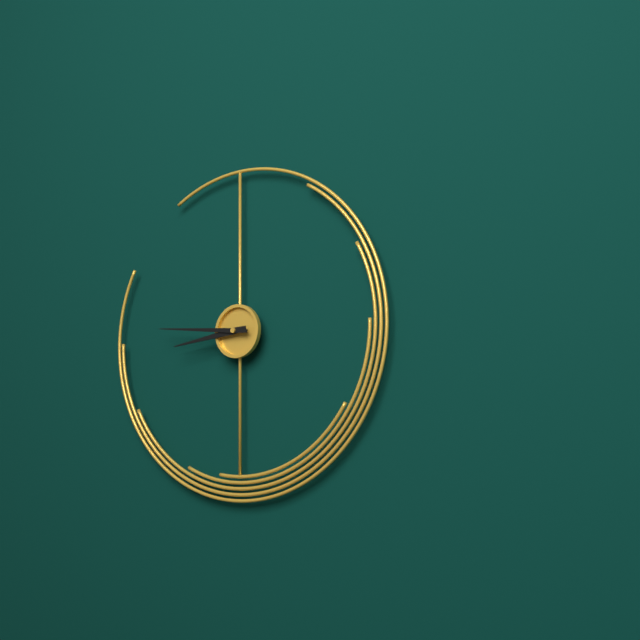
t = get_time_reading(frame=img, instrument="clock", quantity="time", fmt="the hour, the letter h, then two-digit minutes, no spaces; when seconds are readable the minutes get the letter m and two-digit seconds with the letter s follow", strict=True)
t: 8h46
